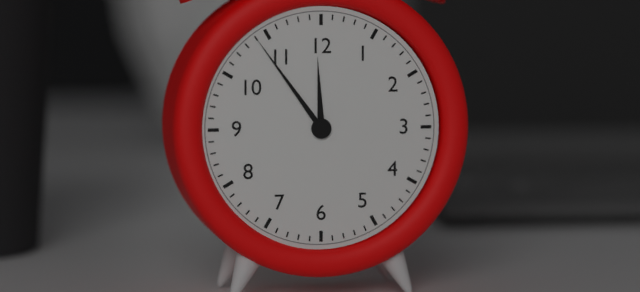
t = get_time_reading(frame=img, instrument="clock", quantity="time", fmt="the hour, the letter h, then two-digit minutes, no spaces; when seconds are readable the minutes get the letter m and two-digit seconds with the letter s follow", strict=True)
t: 11h54
